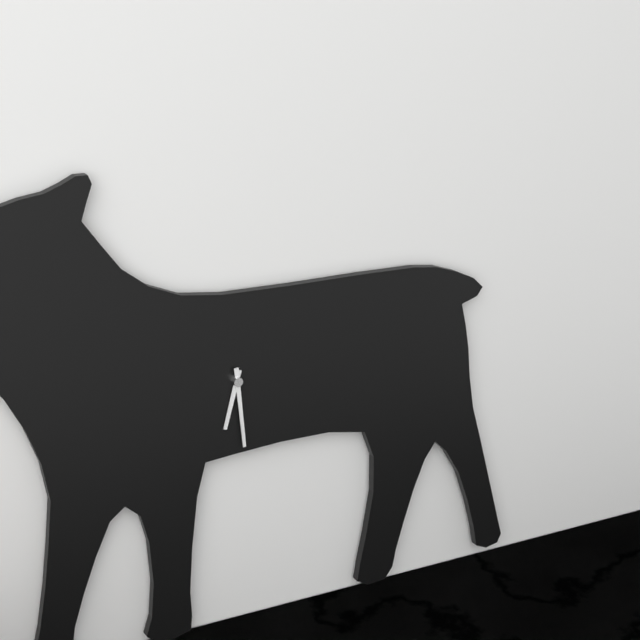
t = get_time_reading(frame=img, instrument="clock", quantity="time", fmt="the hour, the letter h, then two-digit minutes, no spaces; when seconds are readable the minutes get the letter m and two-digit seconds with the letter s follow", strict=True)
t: 6h29
